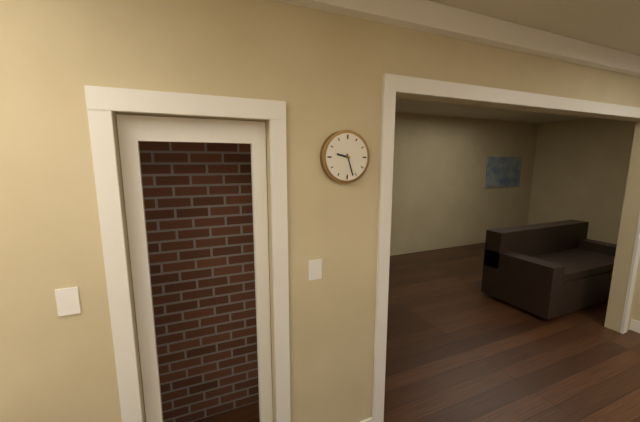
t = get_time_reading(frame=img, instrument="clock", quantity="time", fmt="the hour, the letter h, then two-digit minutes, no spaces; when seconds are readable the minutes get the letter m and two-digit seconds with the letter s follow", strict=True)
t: 9h27
